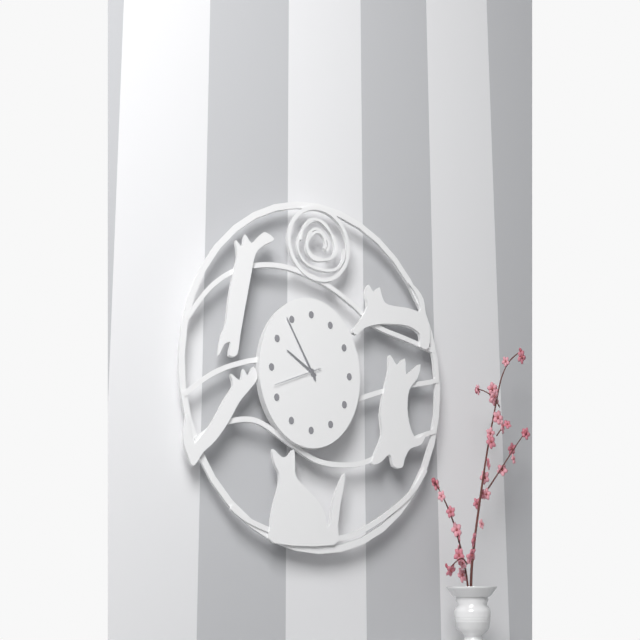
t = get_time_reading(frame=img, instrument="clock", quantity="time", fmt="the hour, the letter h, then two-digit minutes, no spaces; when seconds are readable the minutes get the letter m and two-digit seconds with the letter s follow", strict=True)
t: 9h54
